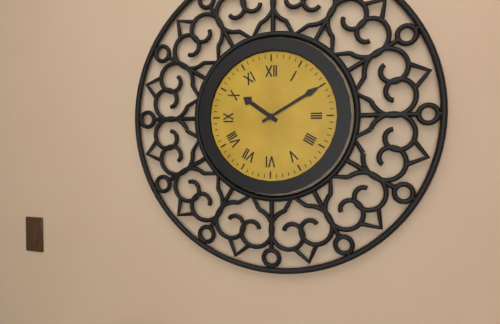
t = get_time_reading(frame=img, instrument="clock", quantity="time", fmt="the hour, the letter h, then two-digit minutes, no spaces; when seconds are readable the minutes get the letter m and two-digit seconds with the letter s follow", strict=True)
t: 10h10
